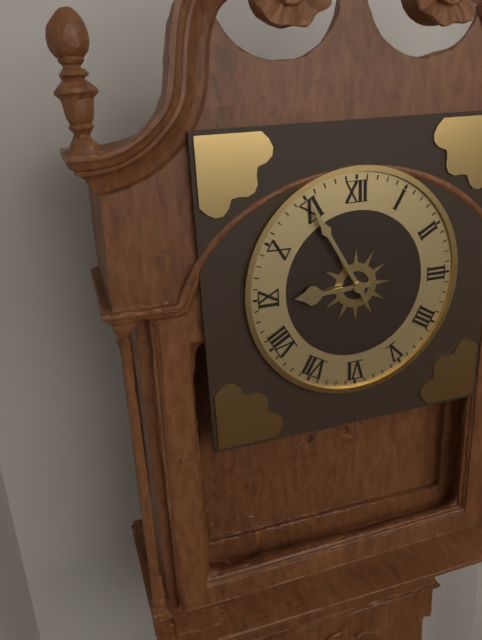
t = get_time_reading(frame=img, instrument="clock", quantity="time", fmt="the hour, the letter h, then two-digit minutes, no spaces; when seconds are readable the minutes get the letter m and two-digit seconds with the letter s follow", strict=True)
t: 8h55
